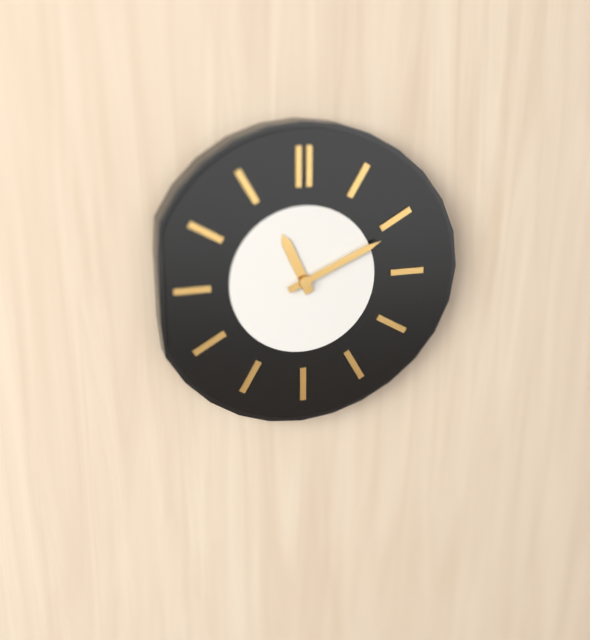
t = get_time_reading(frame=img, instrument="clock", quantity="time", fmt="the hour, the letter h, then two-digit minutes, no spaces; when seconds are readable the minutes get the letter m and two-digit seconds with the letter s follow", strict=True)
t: 11h11
